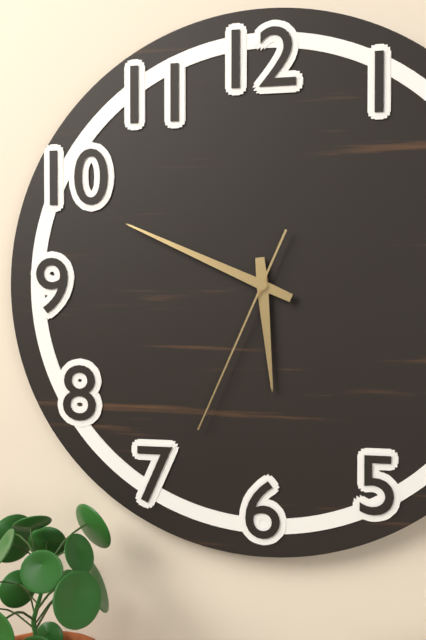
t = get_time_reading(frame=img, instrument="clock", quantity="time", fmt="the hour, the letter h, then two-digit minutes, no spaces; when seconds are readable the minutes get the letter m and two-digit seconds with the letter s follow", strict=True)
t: 5h49m34s
